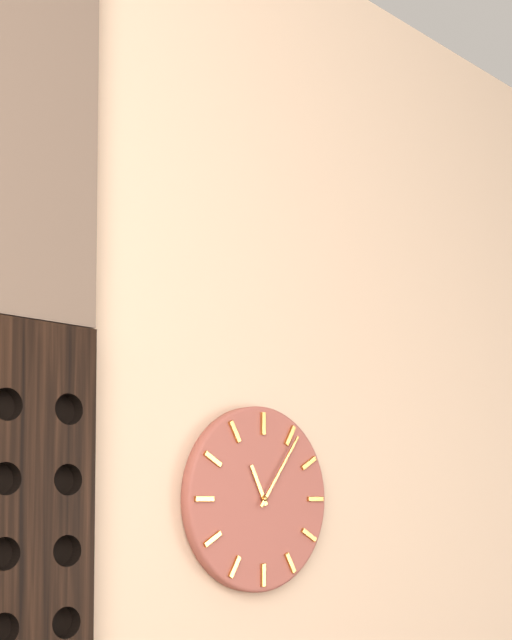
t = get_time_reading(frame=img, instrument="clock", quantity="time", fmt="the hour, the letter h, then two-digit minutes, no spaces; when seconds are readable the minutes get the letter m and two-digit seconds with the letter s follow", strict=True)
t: 11h06
